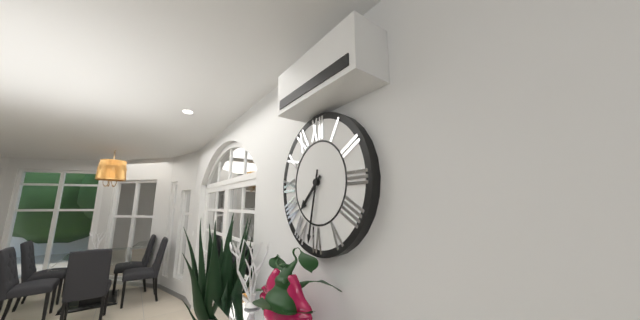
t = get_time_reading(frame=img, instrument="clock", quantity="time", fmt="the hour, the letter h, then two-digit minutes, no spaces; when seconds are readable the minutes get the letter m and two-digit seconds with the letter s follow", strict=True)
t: 7h32
